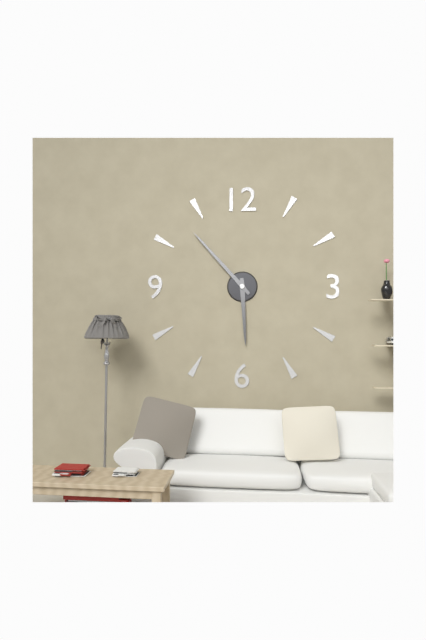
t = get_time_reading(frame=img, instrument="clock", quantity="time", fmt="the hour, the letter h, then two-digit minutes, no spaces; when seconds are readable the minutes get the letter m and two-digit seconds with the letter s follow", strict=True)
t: 5h53
